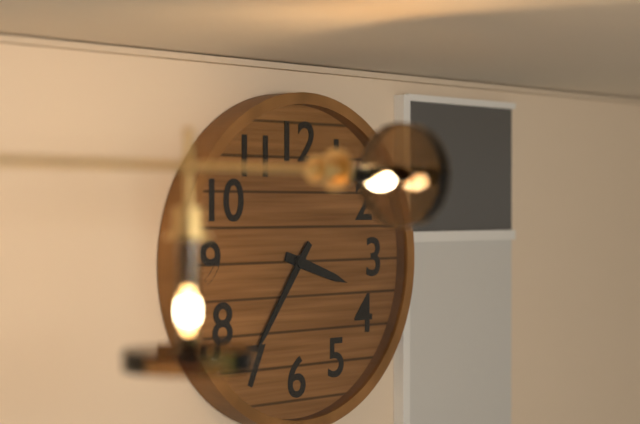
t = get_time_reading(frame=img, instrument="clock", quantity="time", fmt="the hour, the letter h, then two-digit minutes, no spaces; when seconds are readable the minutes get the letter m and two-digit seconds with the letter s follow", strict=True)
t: 3h36
